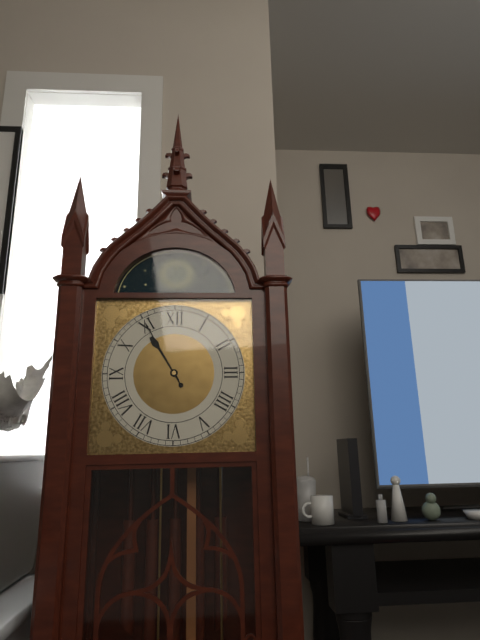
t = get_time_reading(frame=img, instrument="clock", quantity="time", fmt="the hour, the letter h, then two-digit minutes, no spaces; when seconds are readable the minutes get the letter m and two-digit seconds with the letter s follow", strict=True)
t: 10h55
